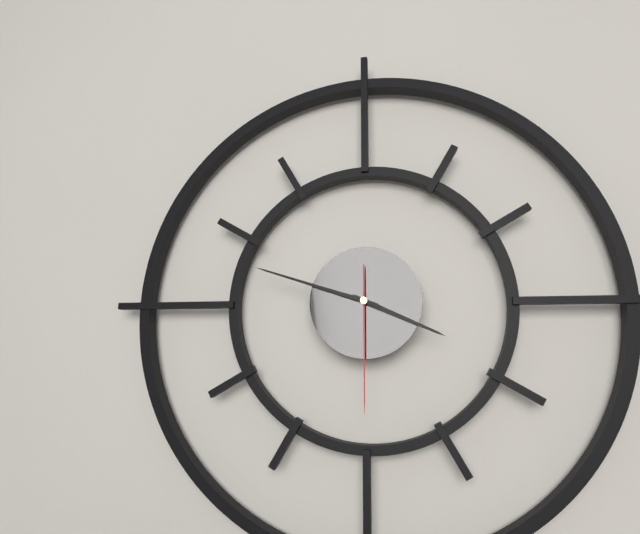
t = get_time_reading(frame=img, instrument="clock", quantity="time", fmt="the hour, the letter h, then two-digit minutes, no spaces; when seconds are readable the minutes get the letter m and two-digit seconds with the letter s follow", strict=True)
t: 3h48m30s
